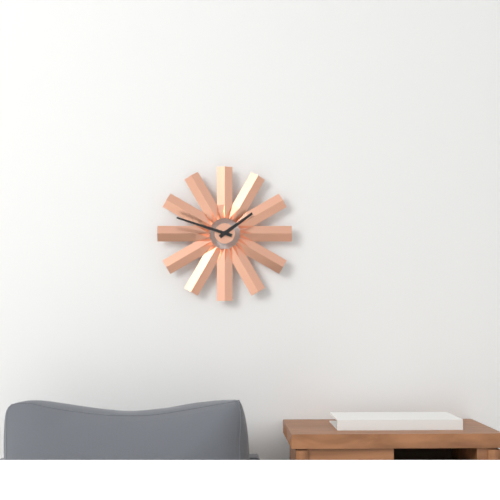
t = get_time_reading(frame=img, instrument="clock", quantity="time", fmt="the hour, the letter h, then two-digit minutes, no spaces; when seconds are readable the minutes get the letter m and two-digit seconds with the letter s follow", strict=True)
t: 1h48
